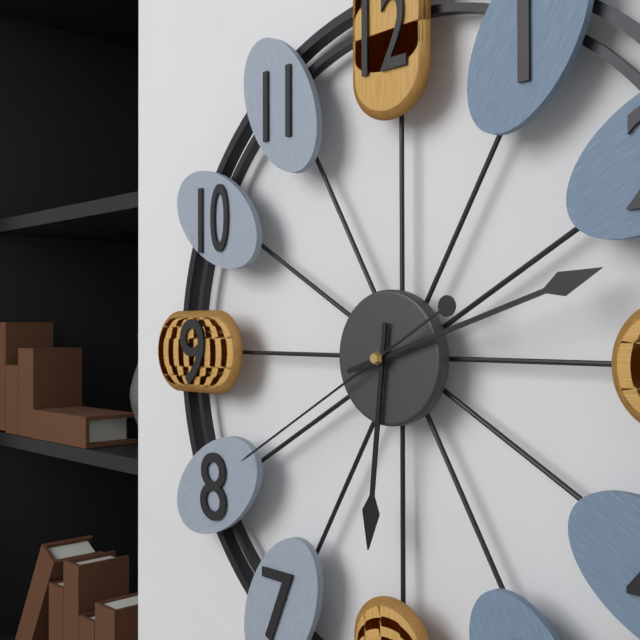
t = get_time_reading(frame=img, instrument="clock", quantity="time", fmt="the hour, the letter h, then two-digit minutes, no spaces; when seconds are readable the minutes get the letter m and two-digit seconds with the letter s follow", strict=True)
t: 6h12m40s
